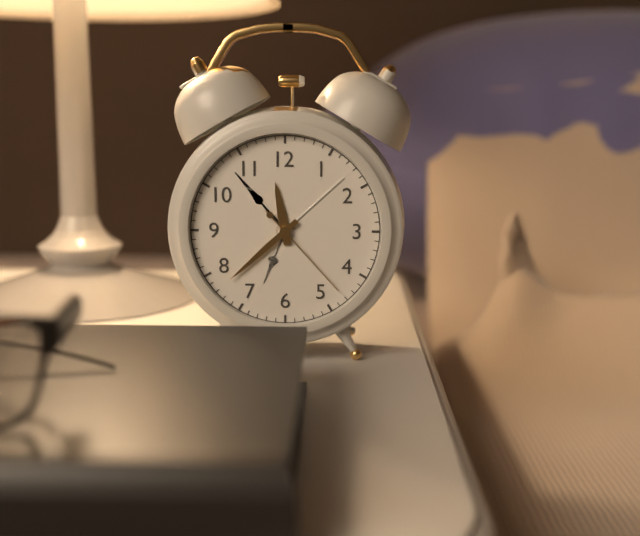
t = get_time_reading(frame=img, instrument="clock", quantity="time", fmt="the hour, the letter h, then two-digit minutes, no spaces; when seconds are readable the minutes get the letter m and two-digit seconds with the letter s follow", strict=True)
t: 11h38m23s
